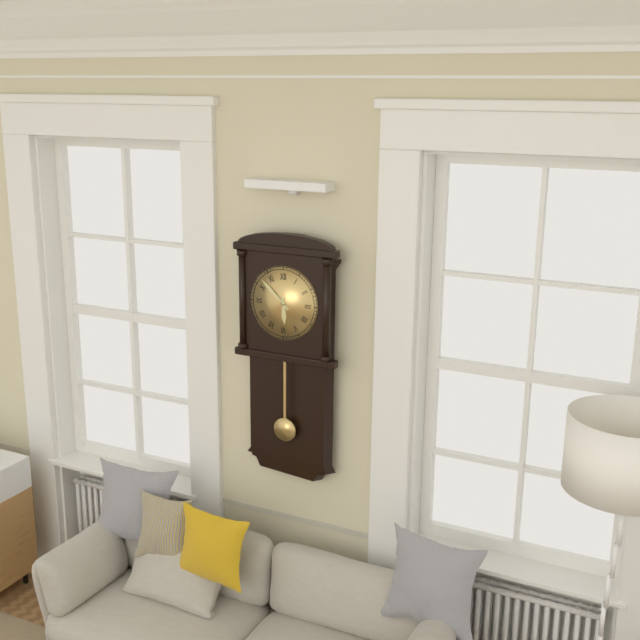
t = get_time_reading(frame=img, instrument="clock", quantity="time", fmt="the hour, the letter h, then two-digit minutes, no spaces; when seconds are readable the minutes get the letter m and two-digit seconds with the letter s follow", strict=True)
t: 5h52
